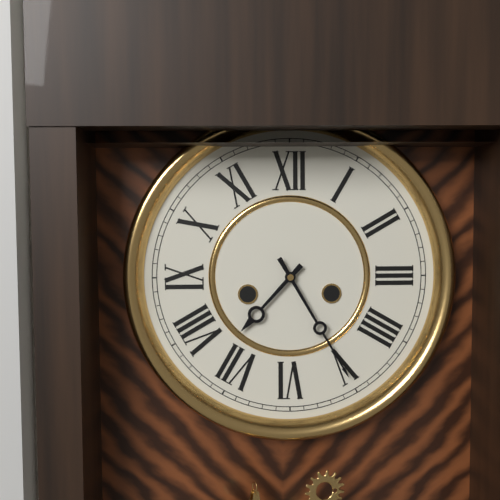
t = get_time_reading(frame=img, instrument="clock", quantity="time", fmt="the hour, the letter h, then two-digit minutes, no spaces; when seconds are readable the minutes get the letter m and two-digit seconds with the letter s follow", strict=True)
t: 7h25
